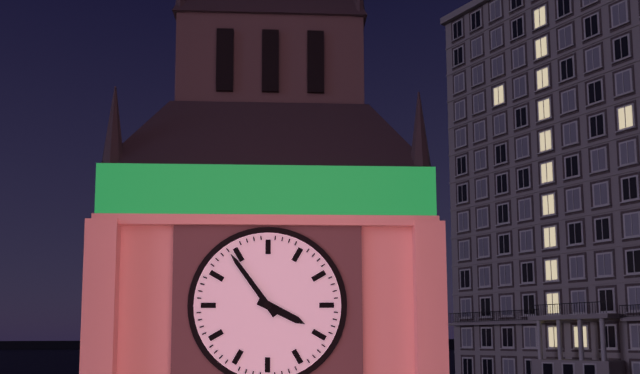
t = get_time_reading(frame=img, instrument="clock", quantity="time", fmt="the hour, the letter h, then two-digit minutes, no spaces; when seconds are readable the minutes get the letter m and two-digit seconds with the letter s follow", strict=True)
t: 3h54
